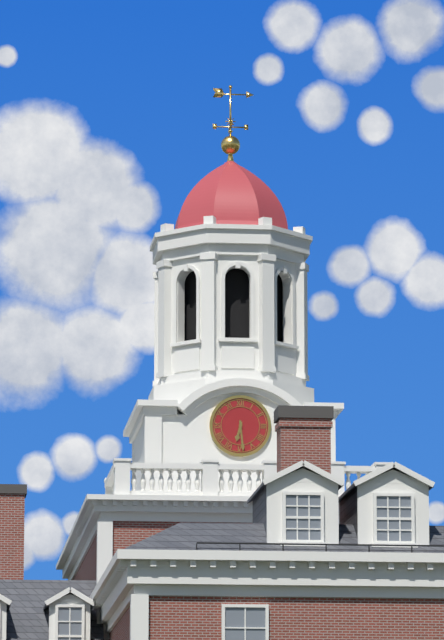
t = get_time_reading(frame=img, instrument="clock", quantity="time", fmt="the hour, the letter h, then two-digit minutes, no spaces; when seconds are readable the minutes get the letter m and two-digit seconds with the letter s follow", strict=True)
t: 6h29
